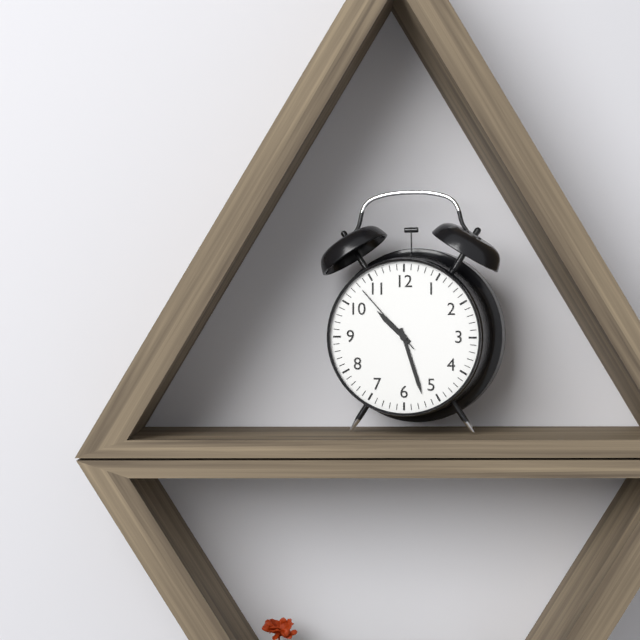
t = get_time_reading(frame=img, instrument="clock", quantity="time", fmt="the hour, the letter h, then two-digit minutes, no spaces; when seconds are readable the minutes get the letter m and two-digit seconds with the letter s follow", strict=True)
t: 10h27m53s
